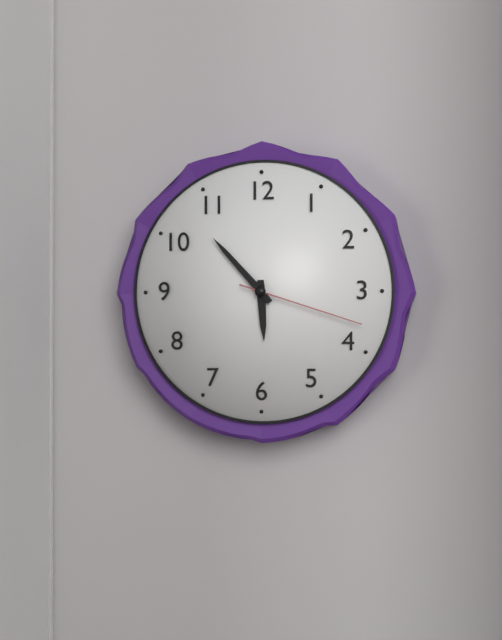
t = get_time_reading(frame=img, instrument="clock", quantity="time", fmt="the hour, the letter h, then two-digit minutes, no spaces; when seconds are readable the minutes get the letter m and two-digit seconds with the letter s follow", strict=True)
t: 5h53m18s
